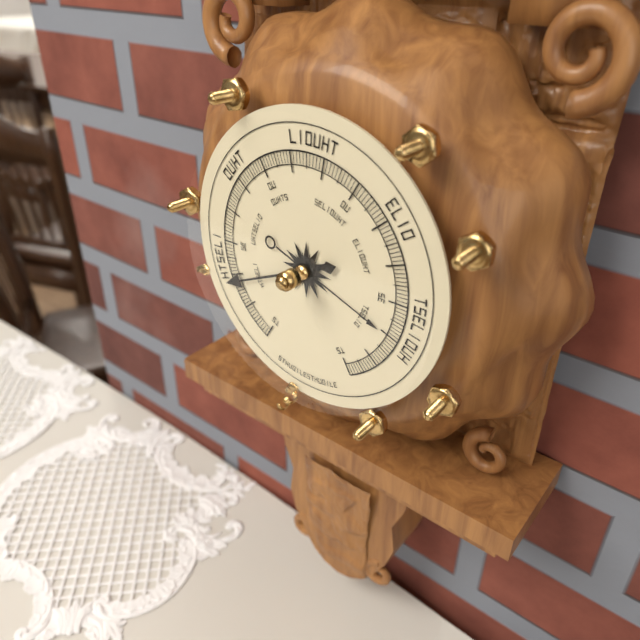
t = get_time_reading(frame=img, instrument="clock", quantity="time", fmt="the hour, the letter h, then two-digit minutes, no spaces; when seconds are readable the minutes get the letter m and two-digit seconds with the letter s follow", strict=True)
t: 3h41
